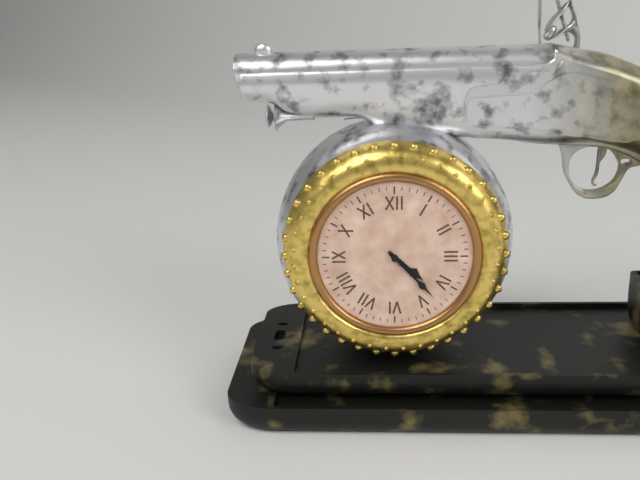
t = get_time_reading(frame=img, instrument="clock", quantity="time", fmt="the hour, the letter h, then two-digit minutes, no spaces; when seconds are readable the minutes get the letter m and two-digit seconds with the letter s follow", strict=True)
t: 4h23
